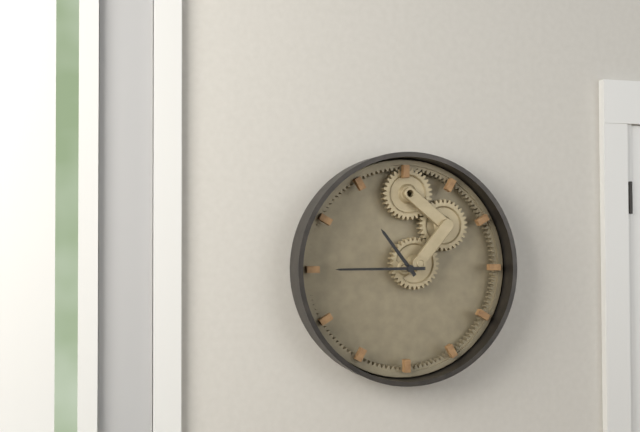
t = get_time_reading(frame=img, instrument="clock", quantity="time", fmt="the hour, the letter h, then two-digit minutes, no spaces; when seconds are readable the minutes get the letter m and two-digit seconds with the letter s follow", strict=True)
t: 10h45
